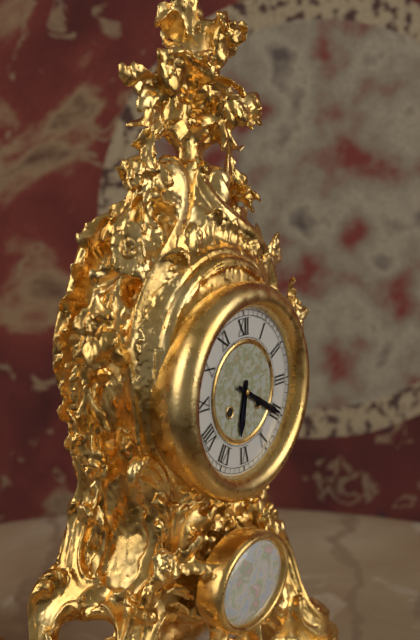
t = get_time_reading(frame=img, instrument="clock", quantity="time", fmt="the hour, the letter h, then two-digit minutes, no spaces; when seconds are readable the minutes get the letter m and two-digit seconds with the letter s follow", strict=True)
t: 6h20
